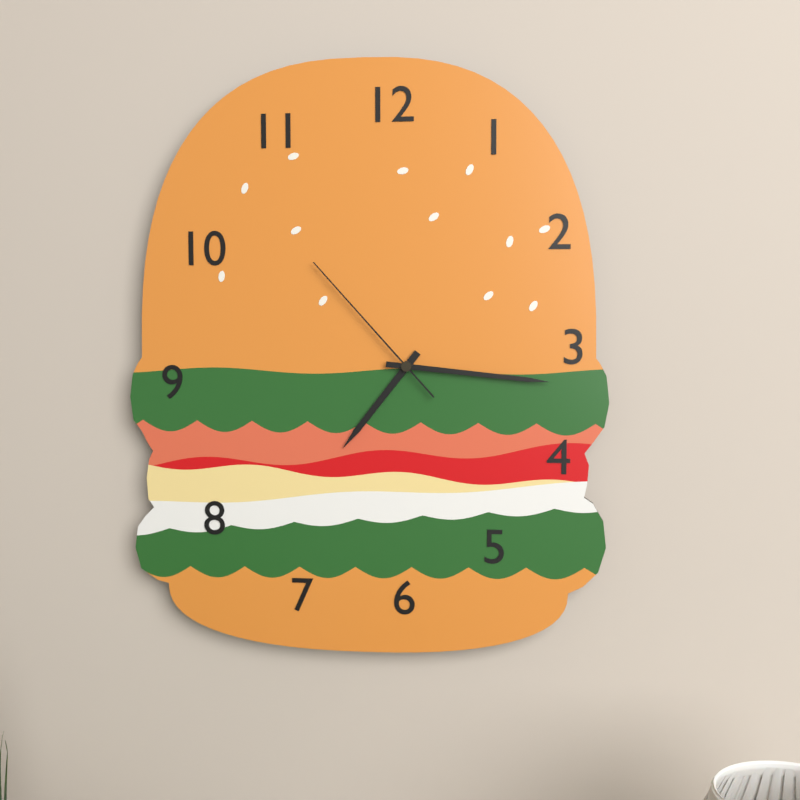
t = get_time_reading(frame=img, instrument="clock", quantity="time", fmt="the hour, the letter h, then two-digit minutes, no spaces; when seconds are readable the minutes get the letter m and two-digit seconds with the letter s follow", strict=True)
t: 7h16m53s
